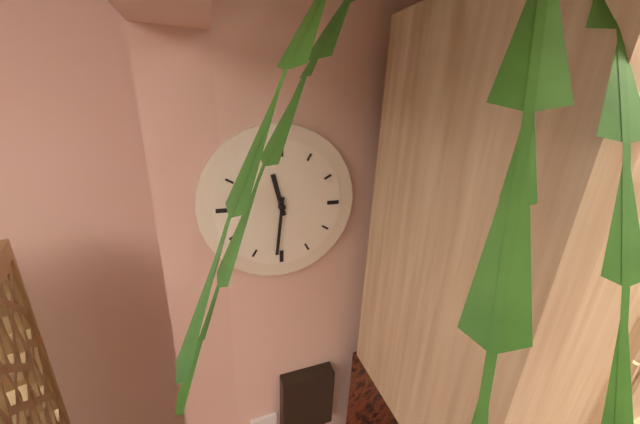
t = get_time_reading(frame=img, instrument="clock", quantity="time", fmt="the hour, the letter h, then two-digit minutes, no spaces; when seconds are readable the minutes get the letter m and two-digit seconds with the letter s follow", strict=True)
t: 11h31
